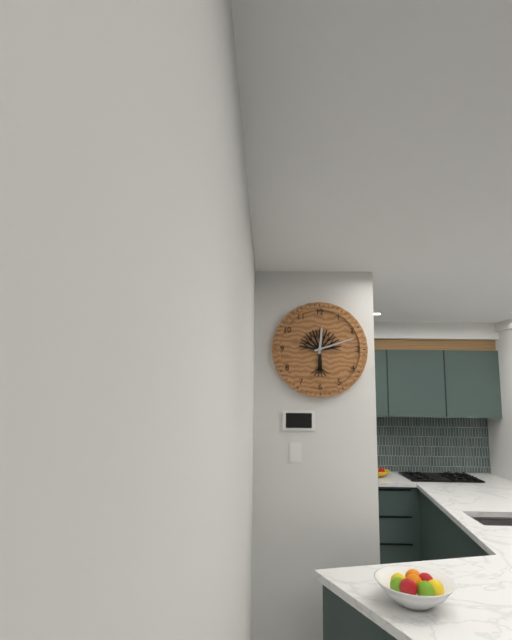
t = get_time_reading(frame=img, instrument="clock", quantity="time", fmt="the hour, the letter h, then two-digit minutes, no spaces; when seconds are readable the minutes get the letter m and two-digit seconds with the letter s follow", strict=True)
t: 12h12
